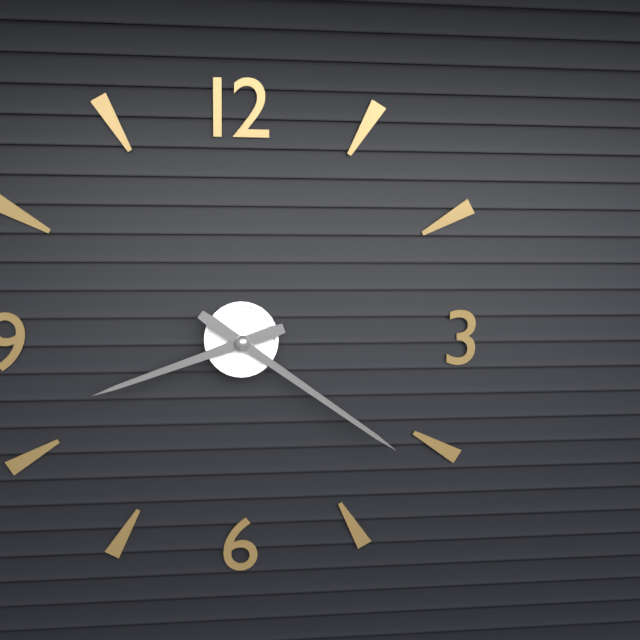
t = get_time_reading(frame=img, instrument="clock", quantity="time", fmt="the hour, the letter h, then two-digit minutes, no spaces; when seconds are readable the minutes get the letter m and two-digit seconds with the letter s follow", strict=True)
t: 8h21
